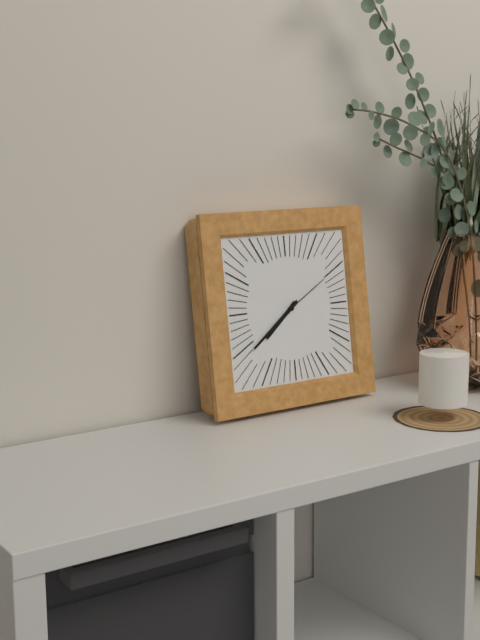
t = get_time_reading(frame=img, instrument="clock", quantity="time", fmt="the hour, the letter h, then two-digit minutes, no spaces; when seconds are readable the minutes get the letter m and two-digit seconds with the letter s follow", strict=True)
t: 7h39m10s
